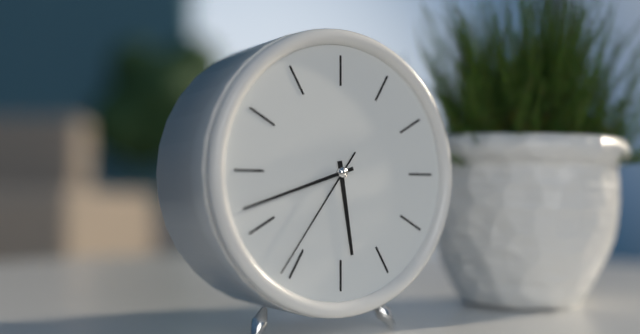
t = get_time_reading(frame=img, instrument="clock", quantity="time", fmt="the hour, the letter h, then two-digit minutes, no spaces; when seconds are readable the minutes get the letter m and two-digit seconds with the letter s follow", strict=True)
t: 5h42m36s
